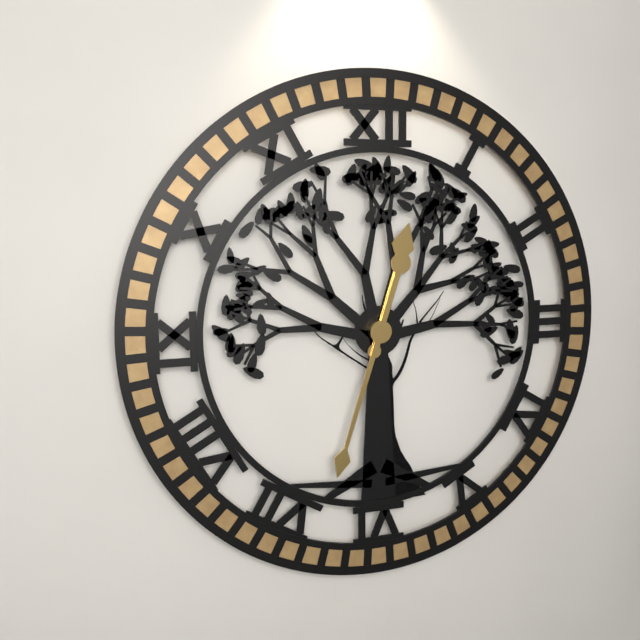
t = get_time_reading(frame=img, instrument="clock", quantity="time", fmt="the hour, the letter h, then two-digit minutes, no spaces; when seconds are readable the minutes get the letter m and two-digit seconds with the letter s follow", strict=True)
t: 12h33
